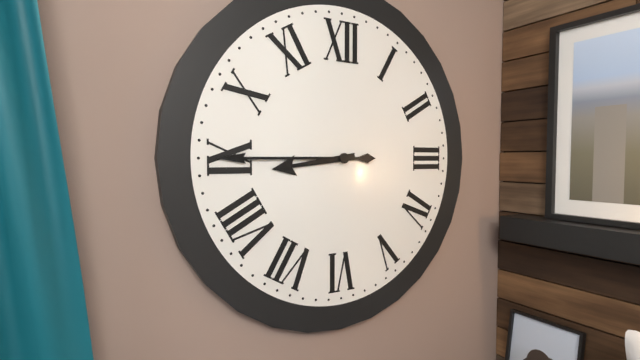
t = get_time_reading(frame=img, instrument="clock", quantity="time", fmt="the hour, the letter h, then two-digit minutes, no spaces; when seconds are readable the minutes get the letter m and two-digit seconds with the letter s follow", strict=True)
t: 8h45
